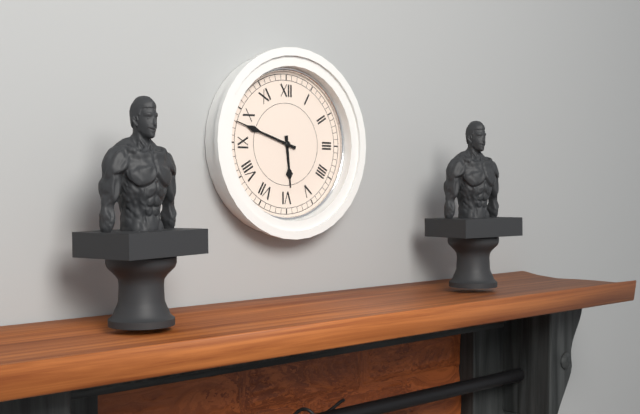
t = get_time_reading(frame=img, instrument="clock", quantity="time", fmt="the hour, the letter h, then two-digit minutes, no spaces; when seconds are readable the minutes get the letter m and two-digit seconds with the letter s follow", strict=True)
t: 5h48
